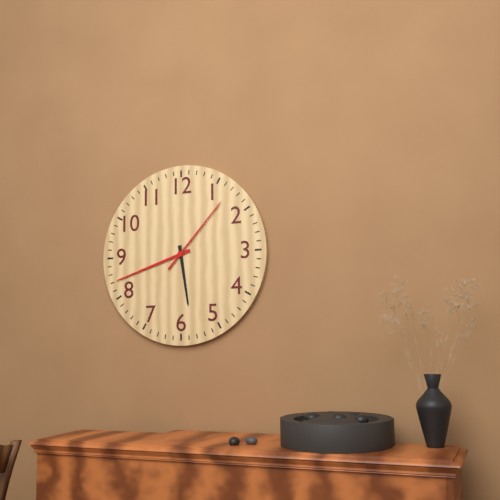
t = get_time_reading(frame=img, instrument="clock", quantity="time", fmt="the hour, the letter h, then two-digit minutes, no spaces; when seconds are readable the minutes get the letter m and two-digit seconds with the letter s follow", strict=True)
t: 5h42m07s
